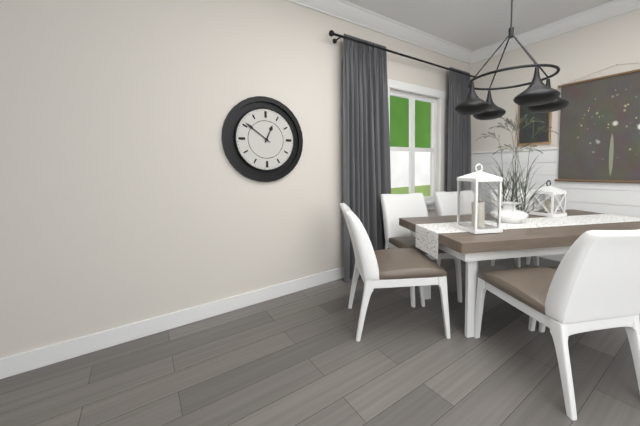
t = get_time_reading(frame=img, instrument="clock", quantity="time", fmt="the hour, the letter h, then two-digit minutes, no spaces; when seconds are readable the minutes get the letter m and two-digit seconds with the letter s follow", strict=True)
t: 12h51
